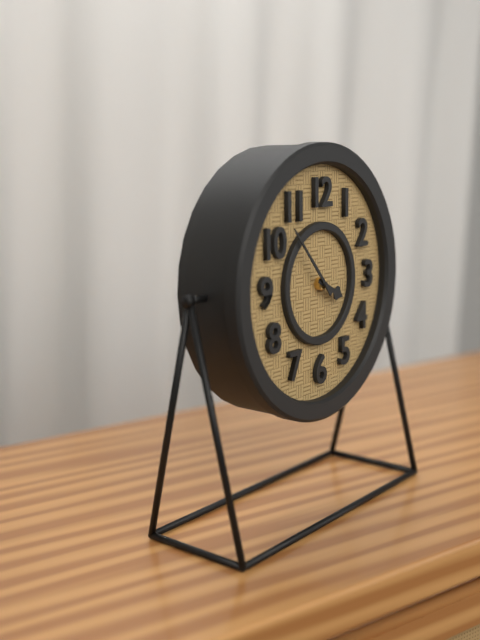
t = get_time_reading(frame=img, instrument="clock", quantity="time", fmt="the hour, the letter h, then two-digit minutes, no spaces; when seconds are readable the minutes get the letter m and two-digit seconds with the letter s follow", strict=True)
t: 3h53
